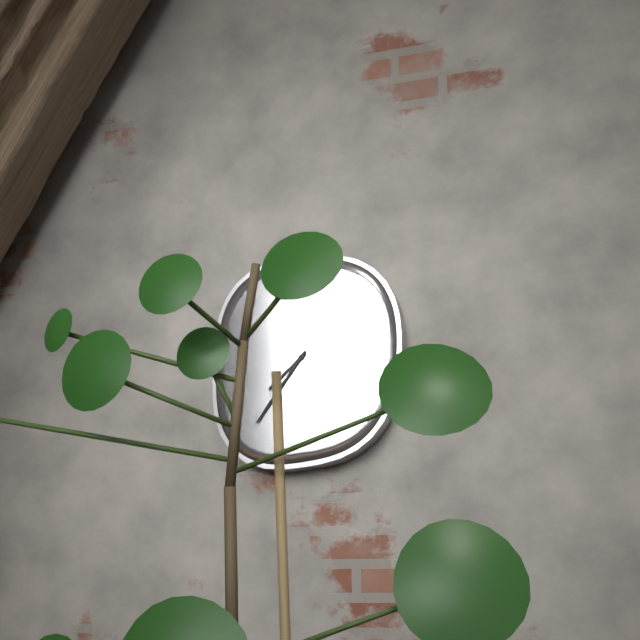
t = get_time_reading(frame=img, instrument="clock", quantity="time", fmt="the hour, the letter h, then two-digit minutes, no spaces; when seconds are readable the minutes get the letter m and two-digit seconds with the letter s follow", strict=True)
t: 7h36
